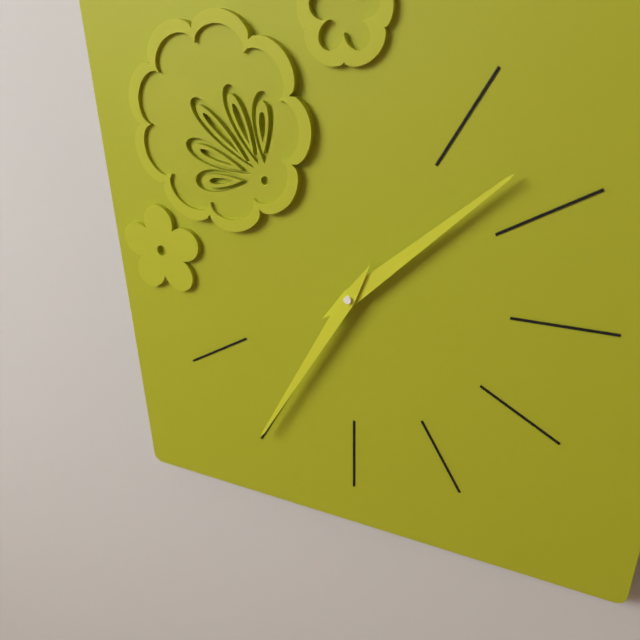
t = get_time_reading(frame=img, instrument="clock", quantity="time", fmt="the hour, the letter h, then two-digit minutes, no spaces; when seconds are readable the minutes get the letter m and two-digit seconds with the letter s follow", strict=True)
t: 1h35
